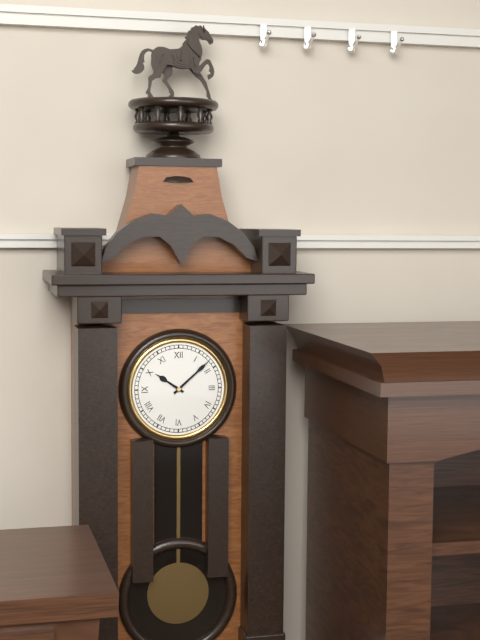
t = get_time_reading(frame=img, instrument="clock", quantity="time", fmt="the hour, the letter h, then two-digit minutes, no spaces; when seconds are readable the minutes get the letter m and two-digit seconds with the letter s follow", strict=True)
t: 10h08
